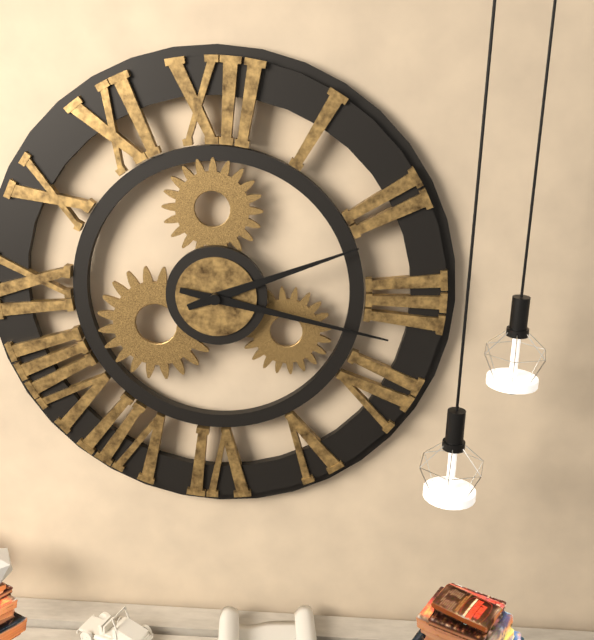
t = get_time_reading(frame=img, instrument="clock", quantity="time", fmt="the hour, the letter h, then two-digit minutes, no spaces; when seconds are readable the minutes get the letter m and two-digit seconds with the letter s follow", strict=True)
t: 2h17
